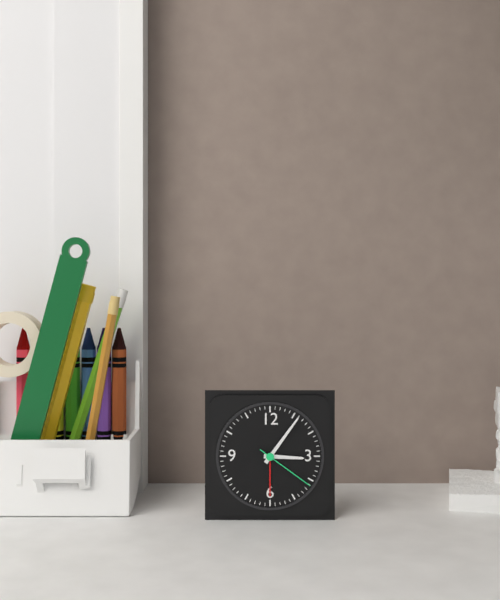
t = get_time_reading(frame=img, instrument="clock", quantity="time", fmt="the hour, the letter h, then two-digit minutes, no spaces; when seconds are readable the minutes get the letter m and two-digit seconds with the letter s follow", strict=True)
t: 3h06m21s
